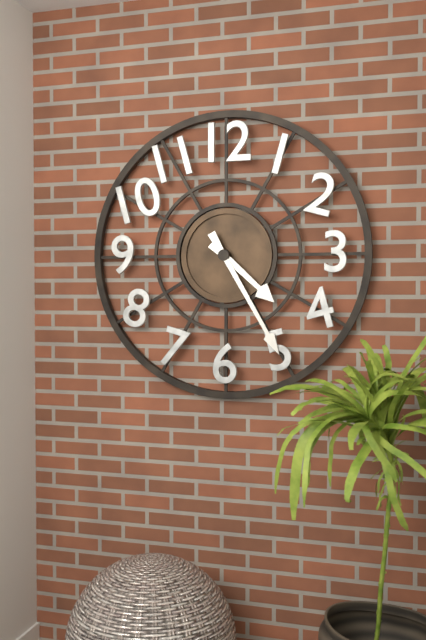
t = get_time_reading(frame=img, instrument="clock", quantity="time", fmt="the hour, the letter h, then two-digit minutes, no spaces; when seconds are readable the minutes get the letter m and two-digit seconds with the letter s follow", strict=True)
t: 4h25
